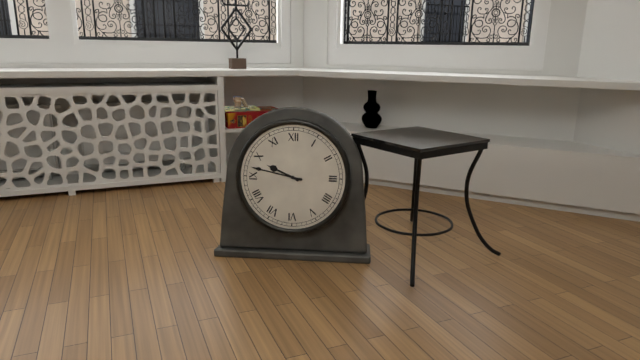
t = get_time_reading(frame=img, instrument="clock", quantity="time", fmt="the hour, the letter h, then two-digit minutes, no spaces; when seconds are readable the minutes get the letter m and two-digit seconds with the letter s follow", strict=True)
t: 9h47
